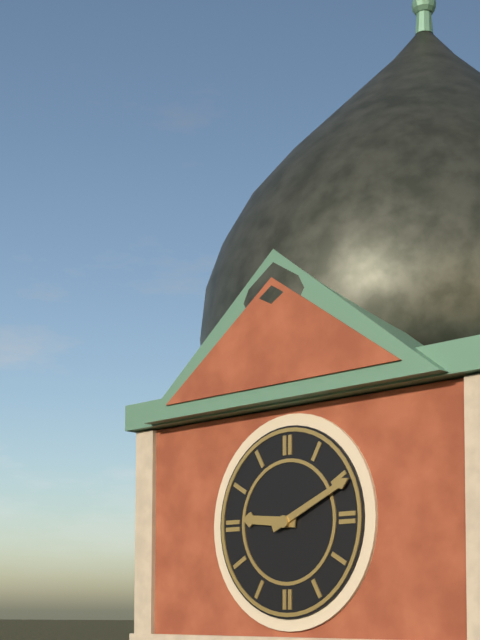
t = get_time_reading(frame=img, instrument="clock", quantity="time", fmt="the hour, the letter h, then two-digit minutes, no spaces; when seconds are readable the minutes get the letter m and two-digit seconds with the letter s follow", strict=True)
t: 9h11
